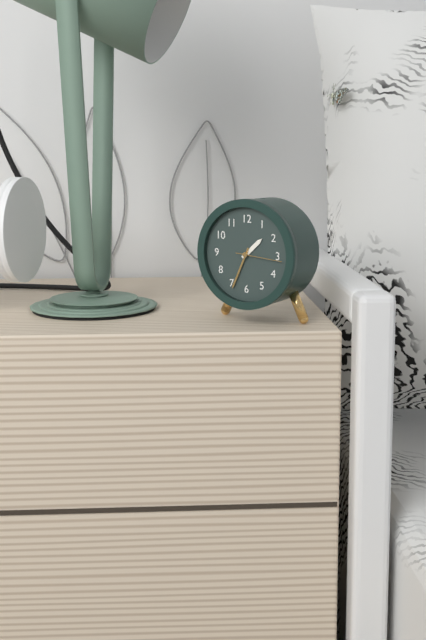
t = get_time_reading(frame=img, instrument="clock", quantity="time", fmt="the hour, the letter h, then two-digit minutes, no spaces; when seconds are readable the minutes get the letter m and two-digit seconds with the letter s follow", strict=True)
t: 1h34
